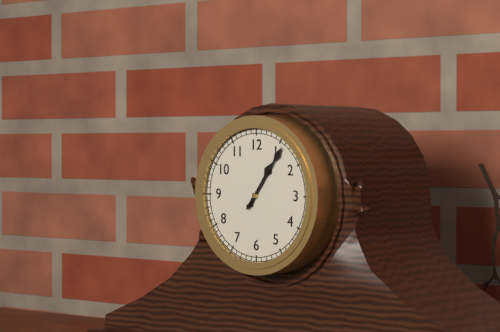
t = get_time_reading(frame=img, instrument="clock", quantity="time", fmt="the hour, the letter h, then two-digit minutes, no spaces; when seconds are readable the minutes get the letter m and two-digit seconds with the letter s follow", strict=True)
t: 1h06
